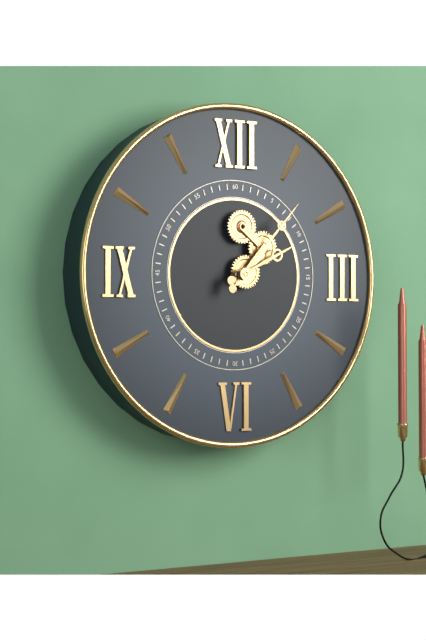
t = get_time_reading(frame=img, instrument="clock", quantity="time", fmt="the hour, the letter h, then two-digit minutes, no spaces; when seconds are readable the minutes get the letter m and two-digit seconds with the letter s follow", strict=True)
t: 2h07
